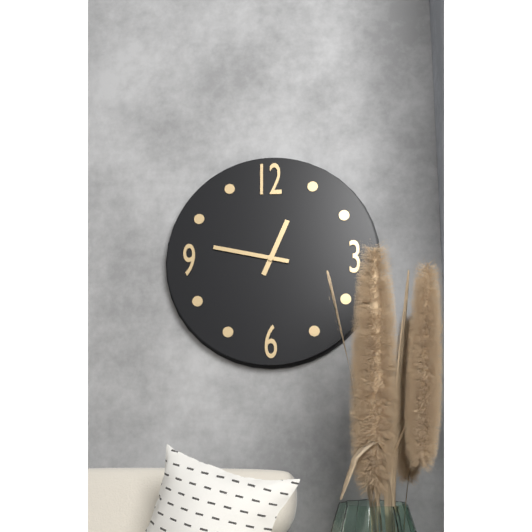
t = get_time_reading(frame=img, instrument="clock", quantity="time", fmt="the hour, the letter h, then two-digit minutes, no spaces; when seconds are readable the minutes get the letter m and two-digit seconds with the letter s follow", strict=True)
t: 12h47
